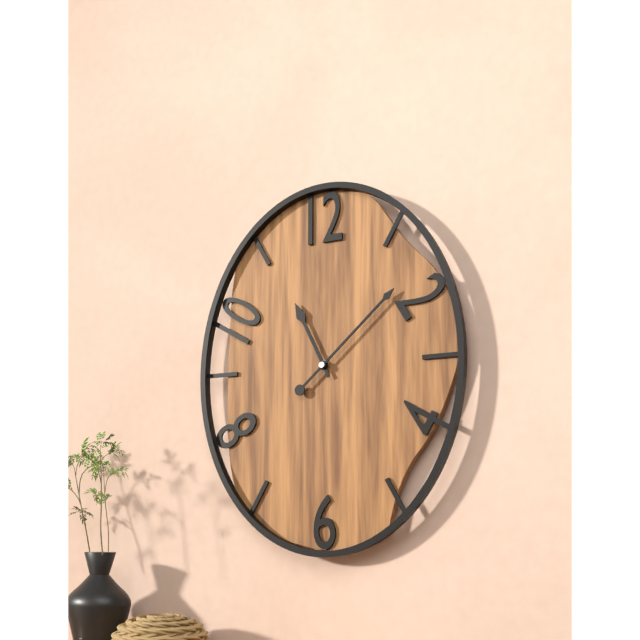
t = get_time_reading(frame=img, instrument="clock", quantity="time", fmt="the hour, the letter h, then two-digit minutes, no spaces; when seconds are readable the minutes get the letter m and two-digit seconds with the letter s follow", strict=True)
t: 11h08
